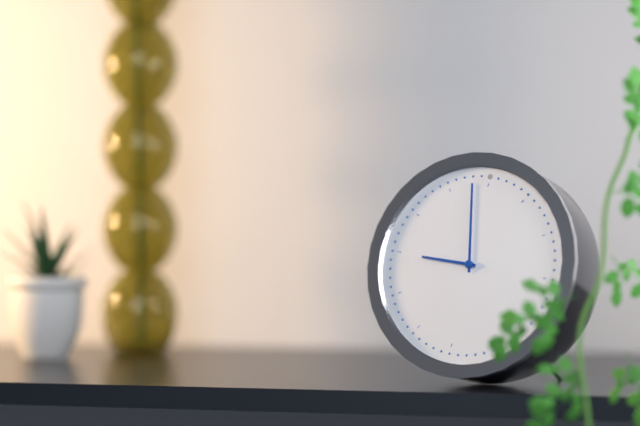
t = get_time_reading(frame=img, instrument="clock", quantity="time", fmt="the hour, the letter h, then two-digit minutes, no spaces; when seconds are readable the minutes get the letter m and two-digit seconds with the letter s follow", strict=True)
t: 8h58
